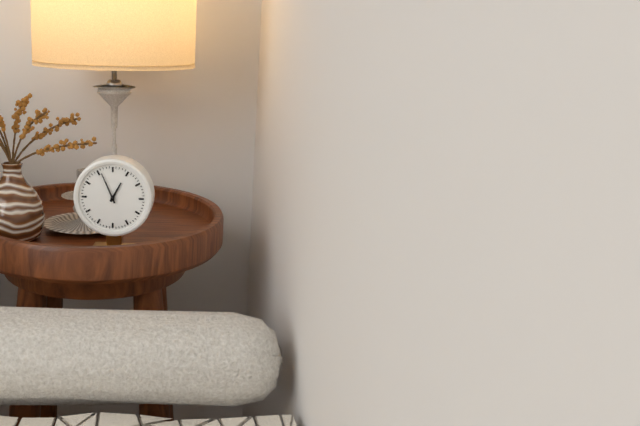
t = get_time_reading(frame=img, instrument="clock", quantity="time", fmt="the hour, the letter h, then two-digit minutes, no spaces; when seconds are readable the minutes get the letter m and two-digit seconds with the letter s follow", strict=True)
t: 12h56
